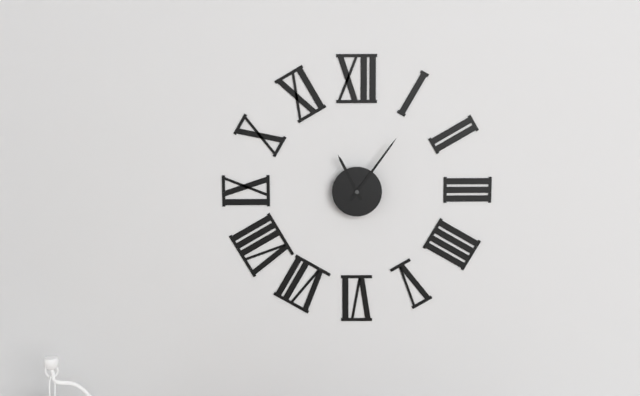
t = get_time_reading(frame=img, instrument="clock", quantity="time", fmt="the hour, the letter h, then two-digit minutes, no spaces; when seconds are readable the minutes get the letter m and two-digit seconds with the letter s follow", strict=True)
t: 11h06
